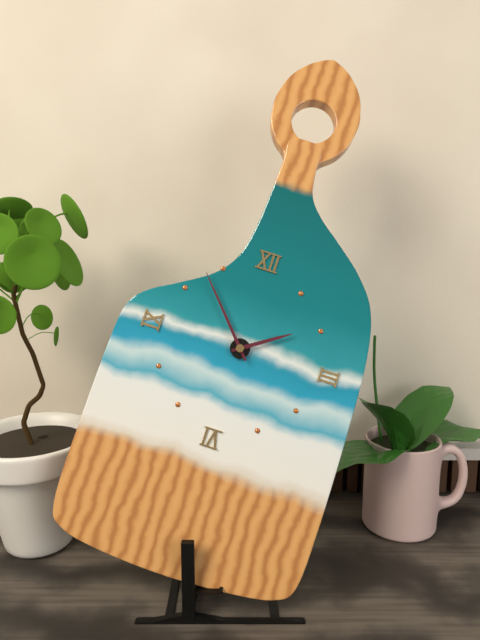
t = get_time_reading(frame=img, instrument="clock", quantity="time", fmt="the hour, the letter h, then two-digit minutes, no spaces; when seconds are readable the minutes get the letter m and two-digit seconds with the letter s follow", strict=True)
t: 1h53
